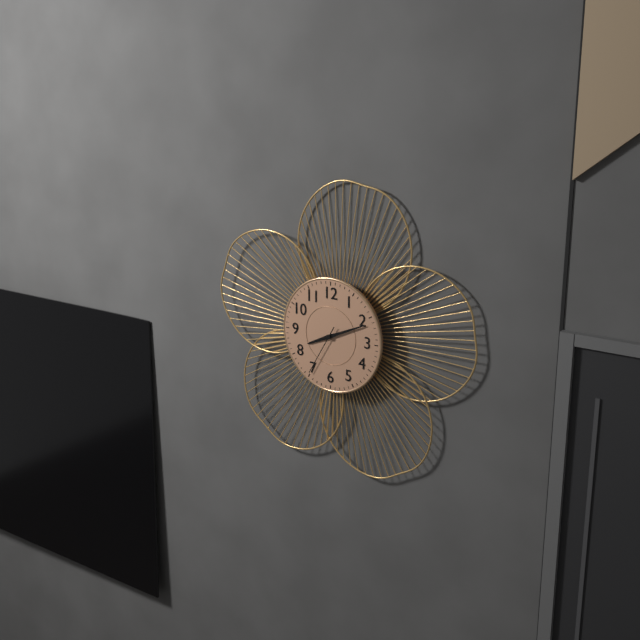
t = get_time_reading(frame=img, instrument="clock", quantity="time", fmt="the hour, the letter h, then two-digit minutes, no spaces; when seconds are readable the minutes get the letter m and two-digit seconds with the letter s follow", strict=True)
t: 8h11m35s
